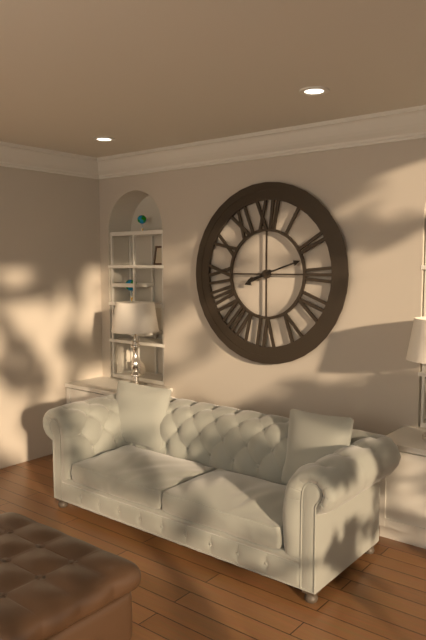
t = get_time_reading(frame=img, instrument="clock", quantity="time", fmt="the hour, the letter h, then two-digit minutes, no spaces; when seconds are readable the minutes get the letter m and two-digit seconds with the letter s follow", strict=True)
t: 8h12
